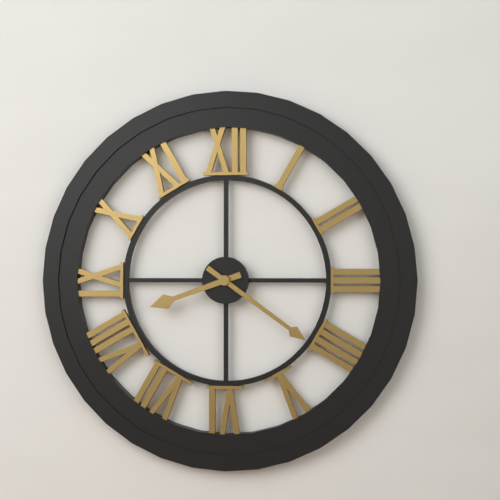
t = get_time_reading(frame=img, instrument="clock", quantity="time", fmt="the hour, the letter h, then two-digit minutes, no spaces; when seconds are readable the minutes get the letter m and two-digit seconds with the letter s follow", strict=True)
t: 8h21
